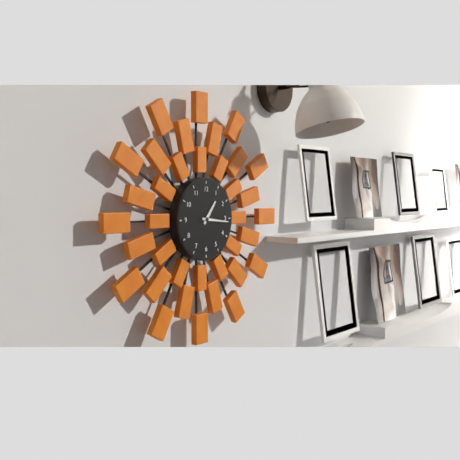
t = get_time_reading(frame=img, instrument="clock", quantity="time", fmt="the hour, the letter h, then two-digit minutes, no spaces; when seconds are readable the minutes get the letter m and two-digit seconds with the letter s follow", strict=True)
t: 1h16
